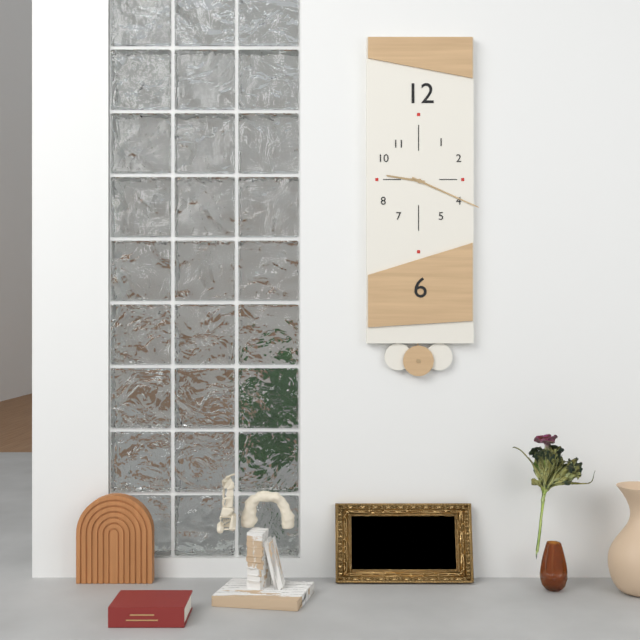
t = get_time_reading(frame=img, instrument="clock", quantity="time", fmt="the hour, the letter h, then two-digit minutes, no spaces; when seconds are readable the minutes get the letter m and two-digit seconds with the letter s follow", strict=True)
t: 9h19
